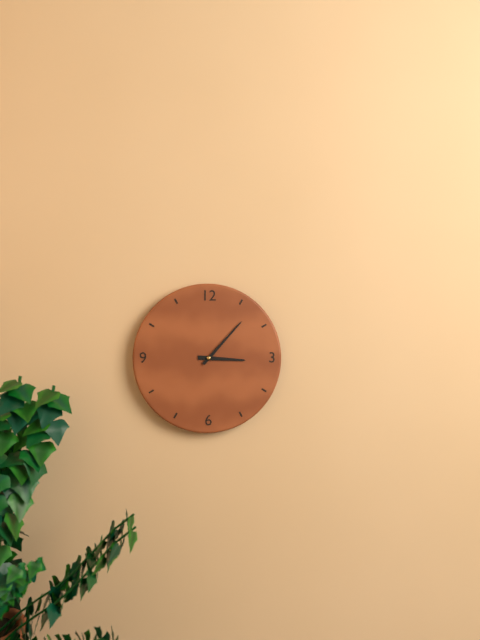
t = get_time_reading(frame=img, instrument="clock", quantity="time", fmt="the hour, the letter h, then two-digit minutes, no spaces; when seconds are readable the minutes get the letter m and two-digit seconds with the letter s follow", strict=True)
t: 3h07
